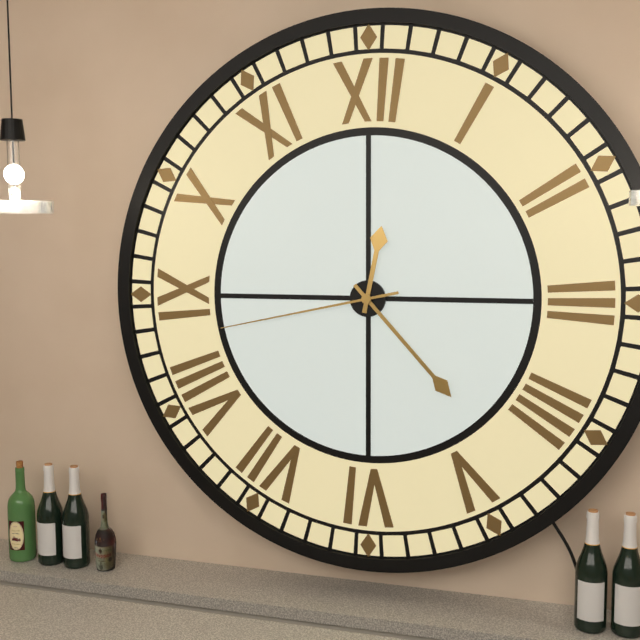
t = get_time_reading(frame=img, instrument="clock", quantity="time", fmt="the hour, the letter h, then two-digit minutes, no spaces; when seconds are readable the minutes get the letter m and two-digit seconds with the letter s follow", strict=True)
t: 12h23m43s
